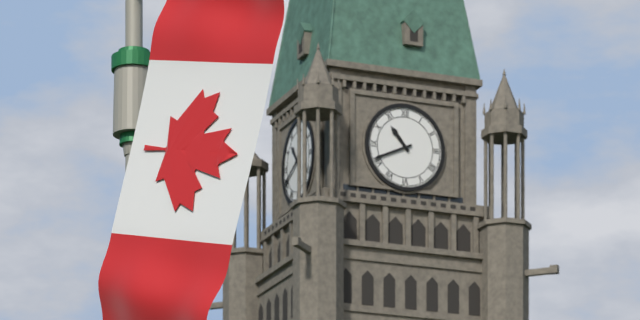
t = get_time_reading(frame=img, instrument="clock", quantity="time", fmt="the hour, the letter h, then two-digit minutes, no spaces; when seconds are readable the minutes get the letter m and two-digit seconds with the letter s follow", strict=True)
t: 10h41
